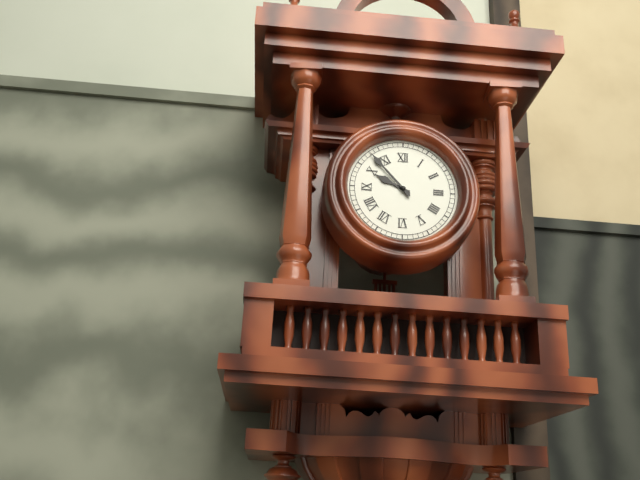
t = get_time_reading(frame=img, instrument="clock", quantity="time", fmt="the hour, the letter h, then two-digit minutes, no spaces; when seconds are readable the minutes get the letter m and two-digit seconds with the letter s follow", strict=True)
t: 9h53
